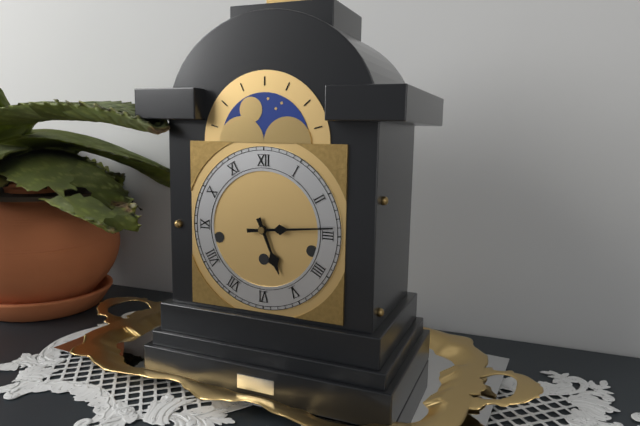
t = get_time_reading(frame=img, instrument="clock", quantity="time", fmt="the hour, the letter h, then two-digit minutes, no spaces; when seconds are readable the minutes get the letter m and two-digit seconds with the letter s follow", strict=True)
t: 5h14
